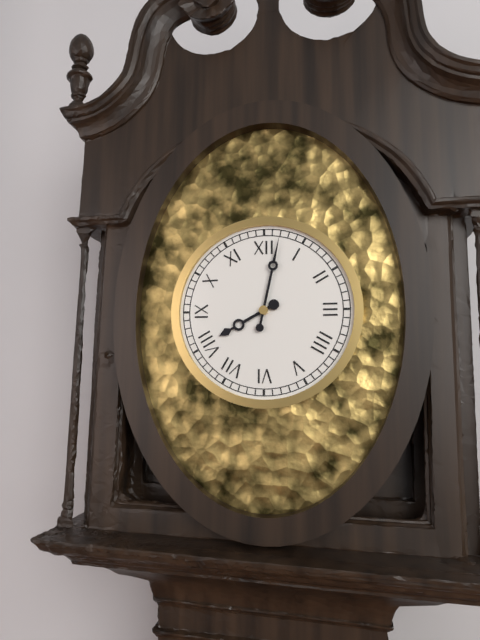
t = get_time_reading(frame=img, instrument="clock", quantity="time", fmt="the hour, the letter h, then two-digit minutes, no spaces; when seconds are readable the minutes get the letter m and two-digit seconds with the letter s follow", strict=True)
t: 8h02
